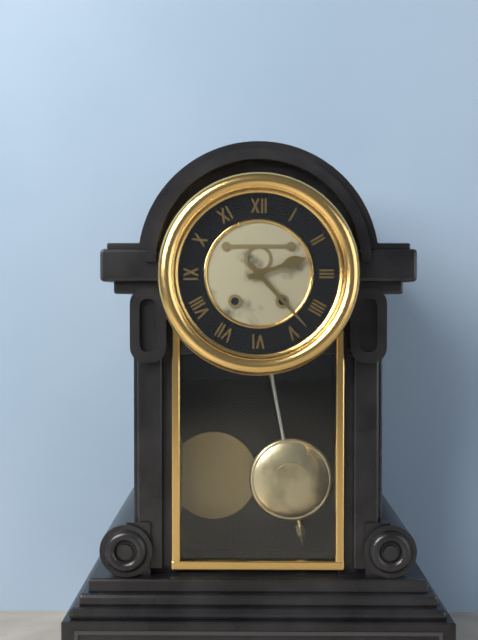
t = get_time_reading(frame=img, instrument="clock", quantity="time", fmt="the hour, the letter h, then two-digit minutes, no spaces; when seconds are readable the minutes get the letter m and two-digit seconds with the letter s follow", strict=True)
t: 2h23
